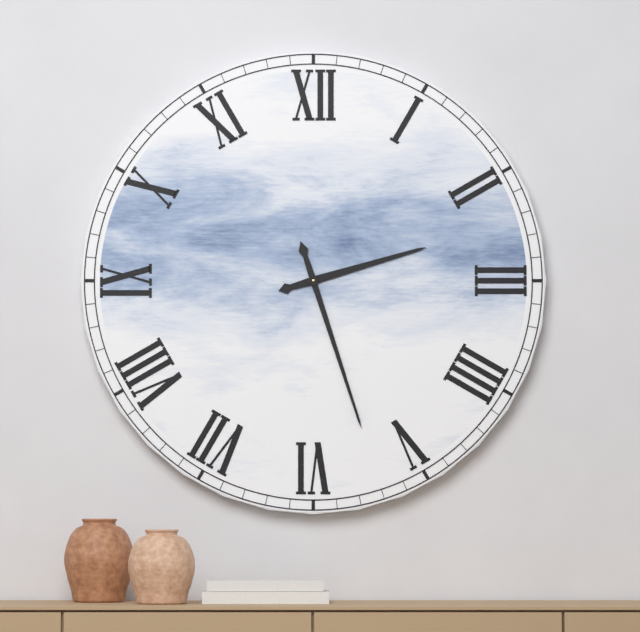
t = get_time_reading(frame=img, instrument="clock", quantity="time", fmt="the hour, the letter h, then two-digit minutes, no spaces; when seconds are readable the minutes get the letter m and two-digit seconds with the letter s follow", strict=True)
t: 2h27
